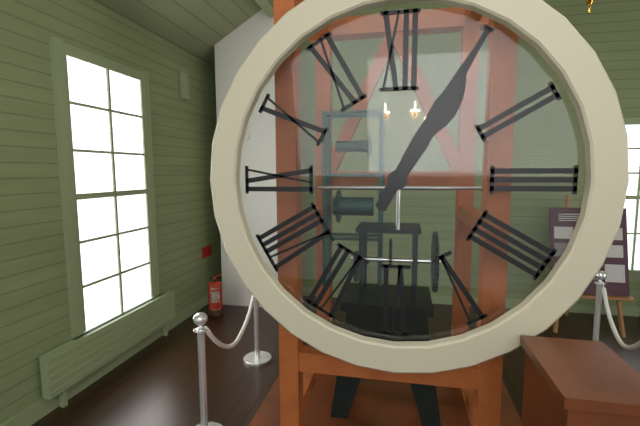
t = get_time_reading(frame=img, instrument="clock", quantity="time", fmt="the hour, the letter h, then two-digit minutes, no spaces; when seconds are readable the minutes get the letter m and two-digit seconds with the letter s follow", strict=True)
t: 1h05
